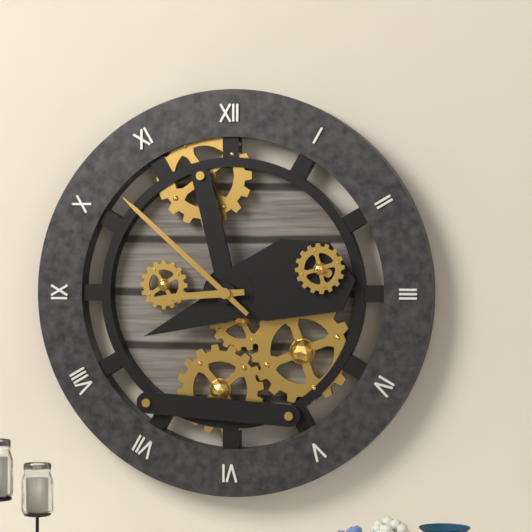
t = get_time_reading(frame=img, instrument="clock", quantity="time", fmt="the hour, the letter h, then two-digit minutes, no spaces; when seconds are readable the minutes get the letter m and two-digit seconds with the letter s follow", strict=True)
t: 8h52
